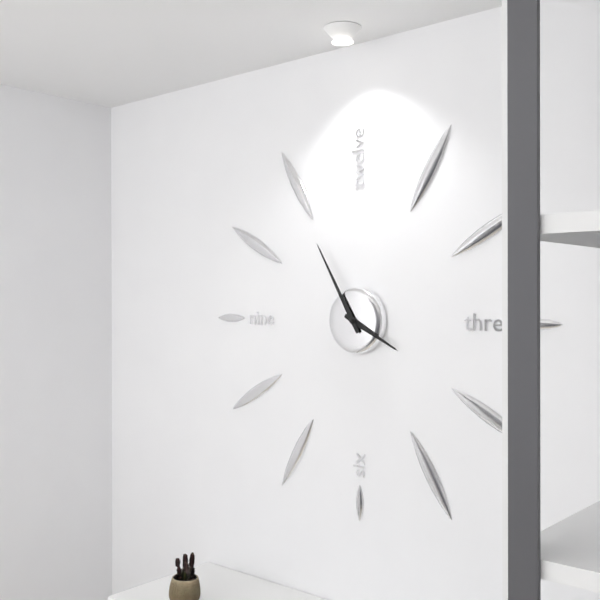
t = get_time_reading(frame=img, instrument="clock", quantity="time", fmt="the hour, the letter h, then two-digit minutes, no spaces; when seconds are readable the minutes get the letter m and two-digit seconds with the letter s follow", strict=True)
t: 3h55
